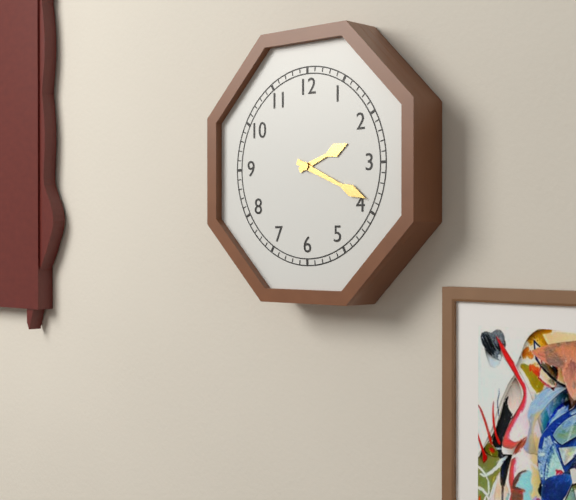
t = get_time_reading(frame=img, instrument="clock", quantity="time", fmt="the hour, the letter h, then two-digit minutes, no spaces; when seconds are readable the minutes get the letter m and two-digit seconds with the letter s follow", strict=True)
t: 2h19
